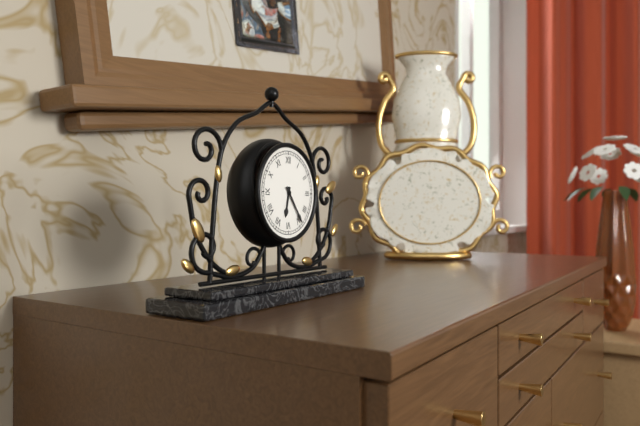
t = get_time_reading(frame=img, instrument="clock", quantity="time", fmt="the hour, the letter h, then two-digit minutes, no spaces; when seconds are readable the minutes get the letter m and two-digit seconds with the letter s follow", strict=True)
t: 6h24
